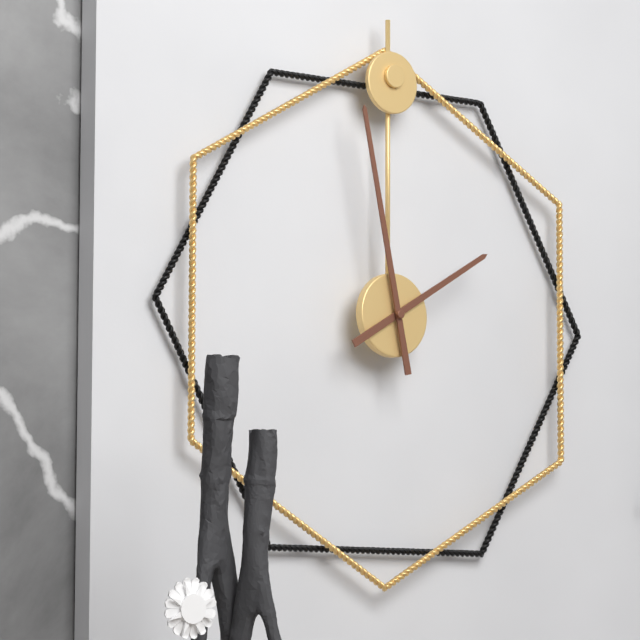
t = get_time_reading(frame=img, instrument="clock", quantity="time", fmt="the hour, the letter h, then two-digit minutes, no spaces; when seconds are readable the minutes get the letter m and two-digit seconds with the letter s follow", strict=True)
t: 1h58
